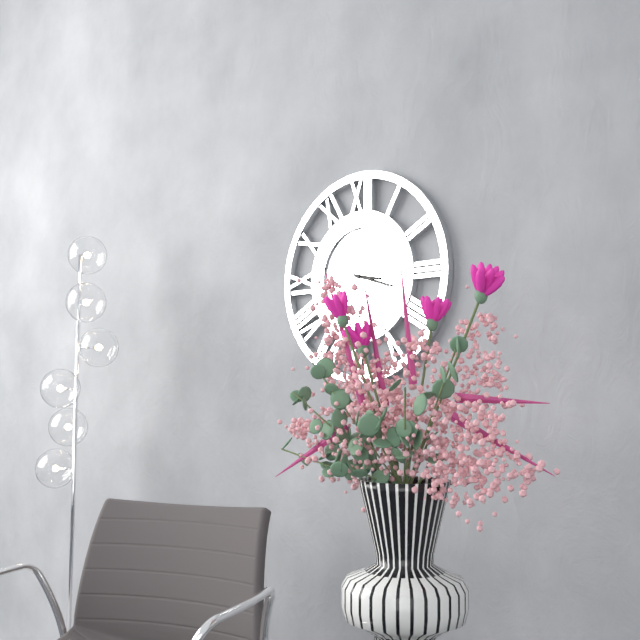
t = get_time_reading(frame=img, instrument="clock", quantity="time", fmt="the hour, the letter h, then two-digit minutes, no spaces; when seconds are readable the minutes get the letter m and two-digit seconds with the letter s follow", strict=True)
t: 3h18
